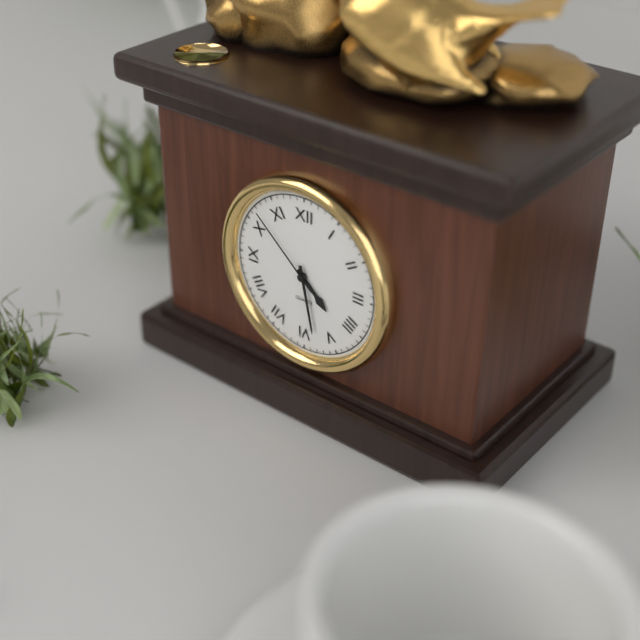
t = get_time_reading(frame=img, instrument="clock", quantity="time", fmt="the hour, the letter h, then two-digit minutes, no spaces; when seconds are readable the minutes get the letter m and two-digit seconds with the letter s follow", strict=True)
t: 4h28m52s
